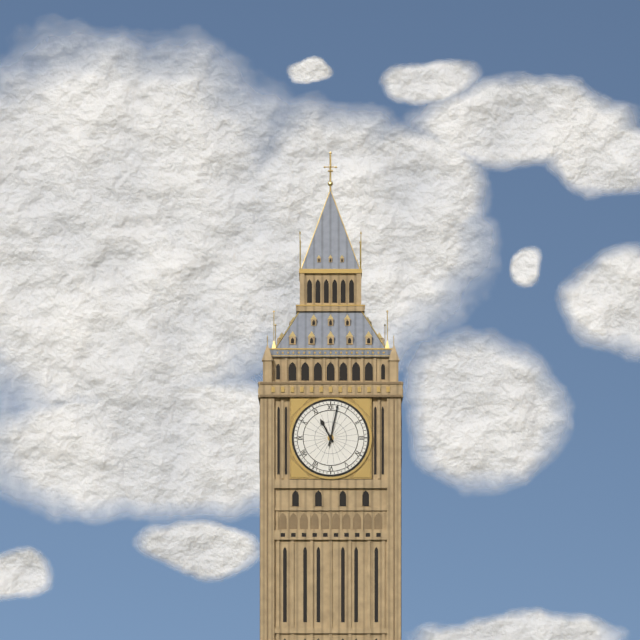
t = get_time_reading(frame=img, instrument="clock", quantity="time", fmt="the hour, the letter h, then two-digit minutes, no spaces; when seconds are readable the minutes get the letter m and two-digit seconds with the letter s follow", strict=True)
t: 11h02
